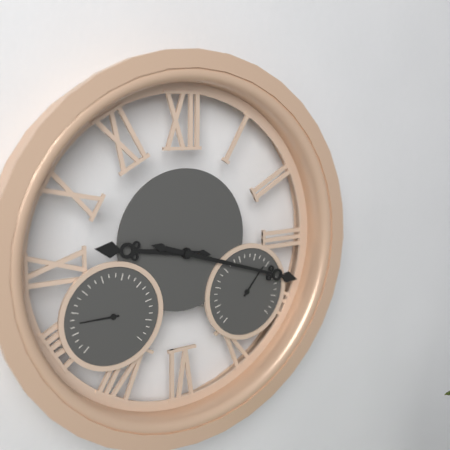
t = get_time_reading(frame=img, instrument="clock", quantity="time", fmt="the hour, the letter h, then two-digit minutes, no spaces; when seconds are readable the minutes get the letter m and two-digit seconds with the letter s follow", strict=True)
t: 9h18
